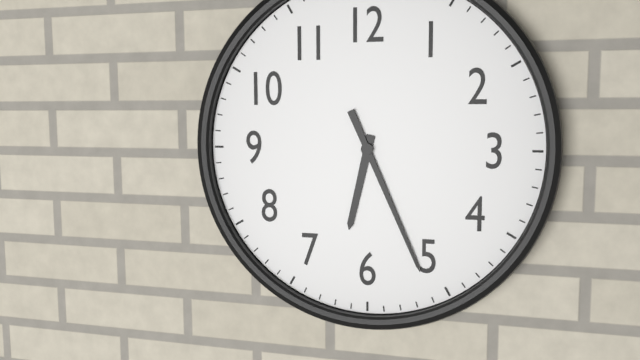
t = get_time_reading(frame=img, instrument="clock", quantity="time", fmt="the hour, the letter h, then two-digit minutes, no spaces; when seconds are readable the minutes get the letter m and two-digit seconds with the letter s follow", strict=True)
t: 6h26
